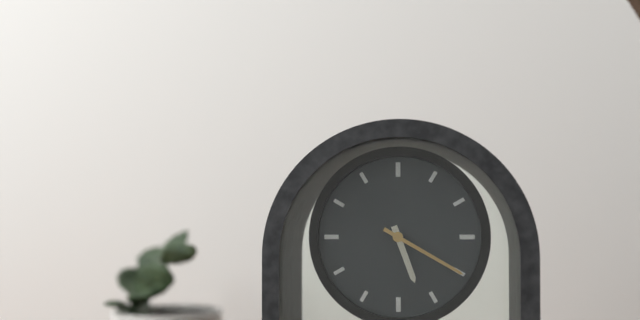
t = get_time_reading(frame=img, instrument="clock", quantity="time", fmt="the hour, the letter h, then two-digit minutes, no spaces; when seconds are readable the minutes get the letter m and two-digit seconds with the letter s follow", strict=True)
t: 5h20
